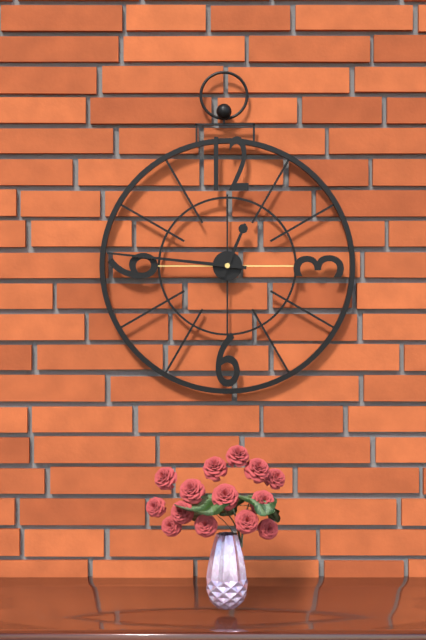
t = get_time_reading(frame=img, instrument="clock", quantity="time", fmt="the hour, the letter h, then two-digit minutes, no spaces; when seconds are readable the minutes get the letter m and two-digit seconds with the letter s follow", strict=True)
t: 12h46
